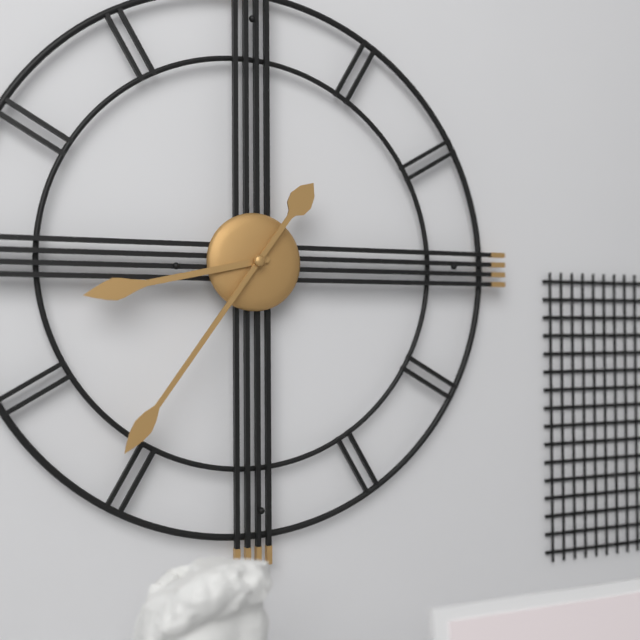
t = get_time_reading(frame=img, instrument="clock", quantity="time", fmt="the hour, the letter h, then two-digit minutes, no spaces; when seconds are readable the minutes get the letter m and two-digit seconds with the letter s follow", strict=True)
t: 8h36
